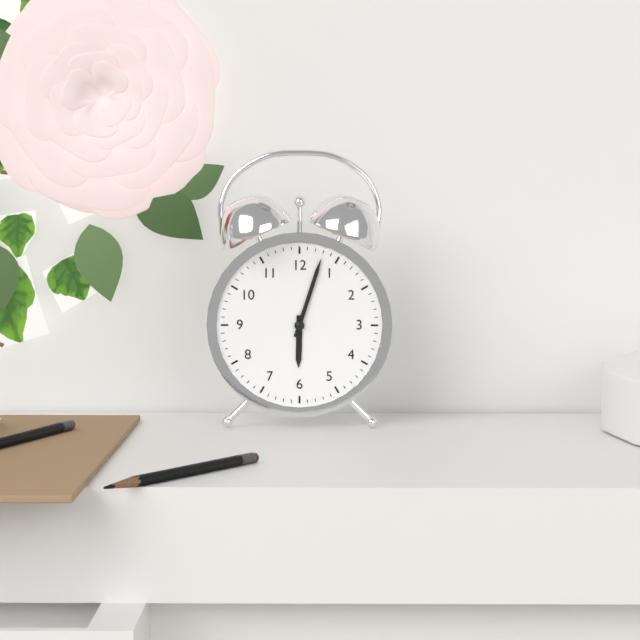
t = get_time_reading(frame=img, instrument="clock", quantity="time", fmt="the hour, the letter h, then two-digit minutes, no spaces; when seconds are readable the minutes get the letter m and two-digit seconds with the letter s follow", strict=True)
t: 6h03
